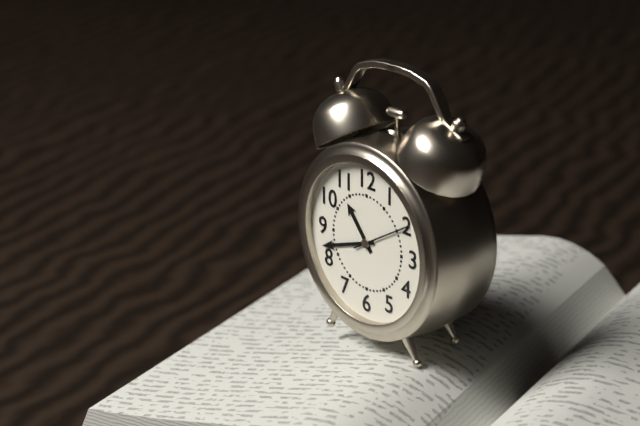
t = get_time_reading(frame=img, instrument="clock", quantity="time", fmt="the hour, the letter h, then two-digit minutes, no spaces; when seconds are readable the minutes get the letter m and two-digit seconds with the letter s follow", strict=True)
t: 10h42m10s
